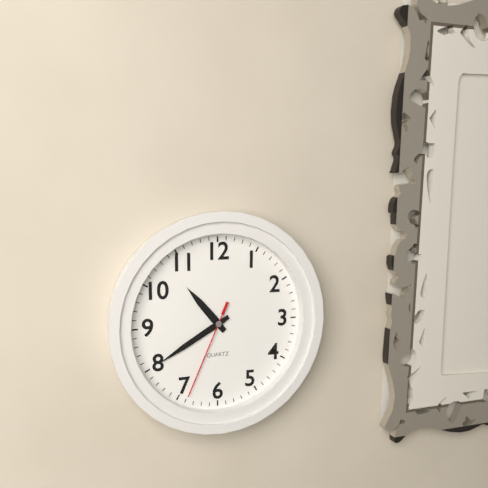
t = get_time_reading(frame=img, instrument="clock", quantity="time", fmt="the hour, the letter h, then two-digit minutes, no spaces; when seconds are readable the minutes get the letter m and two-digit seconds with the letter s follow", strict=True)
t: 10h40m34s
